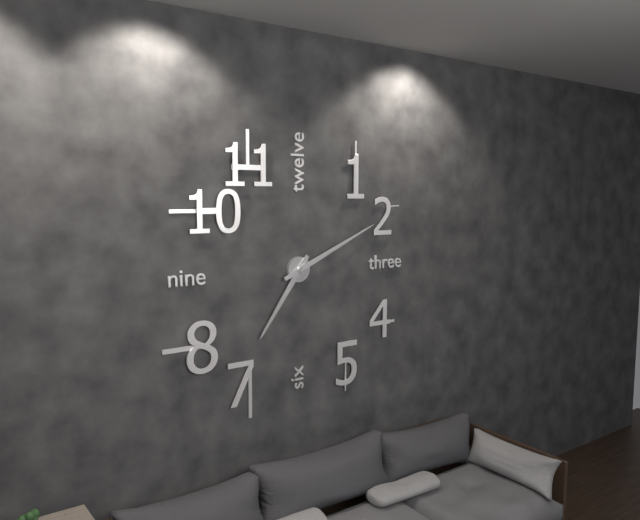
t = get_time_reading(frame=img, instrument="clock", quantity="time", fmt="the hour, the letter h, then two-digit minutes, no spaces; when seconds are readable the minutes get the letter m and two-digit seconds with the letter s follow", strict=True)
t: 7h11
